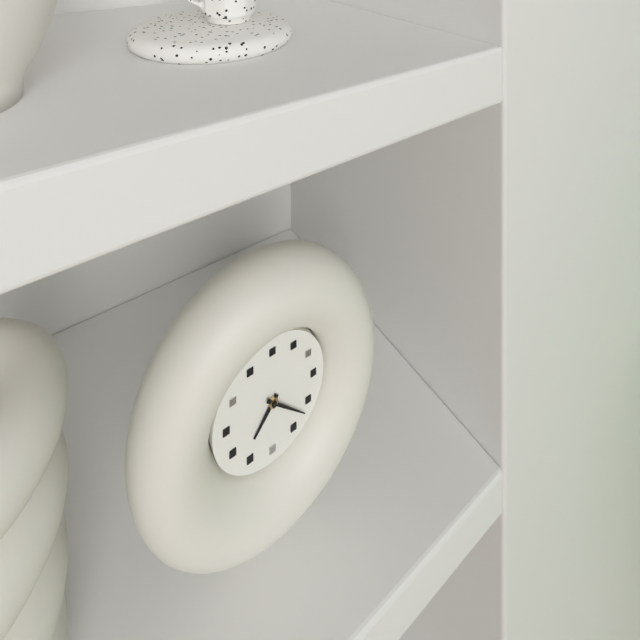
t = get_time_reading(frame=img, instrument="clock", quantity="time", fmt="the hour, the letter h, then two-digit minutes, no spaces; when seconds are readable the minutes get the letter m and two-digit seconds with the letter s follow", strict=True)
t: 7h22
